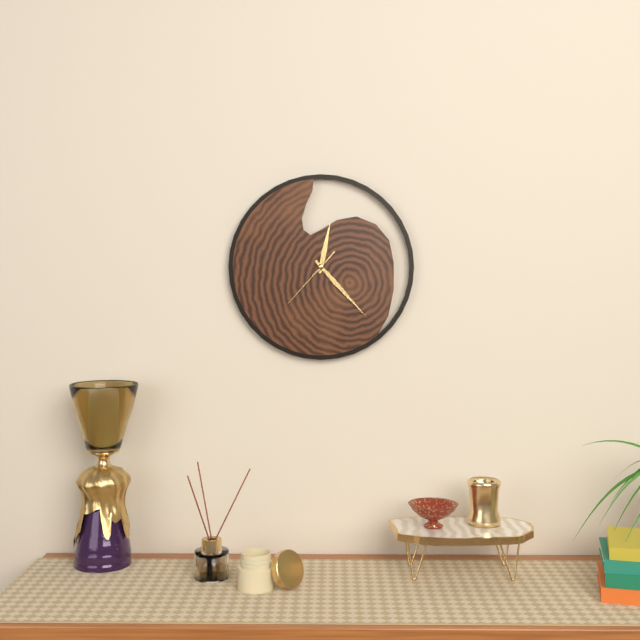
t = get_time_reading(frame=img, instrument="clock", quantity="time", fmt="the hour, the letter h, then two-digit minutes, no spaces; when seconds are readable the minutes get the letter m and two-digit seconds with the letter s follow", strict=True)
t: 12h23m37s
